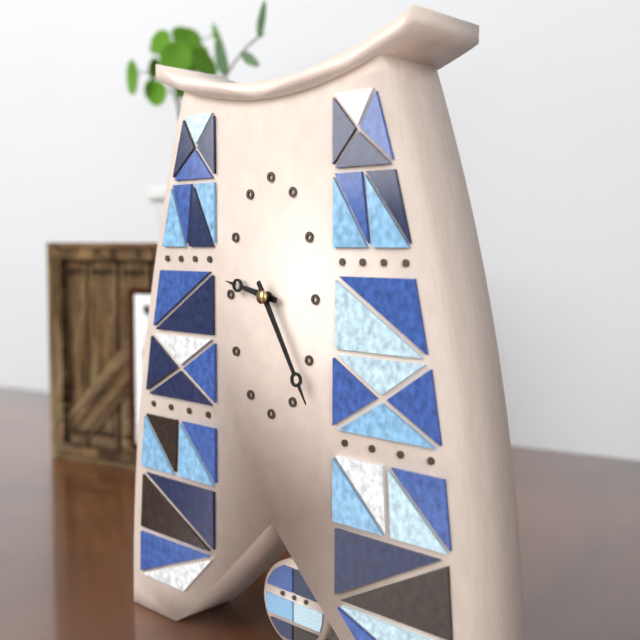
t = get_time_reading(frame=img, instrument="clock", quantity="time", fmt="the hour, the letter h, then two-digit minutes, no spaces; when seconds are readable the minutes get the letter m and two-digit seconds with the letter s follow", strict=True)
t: 9h25
